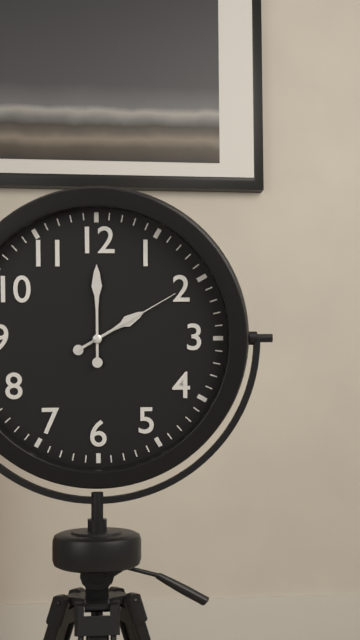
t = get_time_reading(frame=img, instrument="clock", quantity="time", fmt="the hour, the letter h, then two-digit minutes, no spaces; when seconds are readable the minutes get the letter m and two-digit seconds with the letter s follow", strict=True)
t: 2h00m10s
